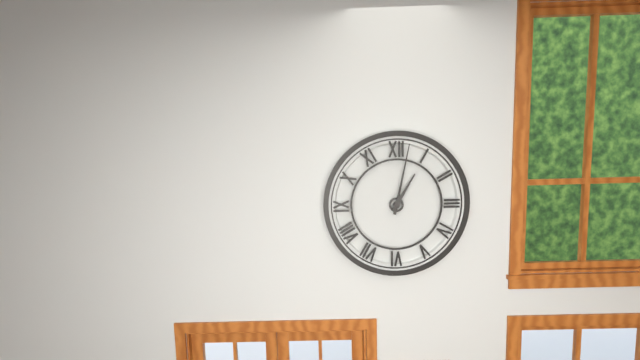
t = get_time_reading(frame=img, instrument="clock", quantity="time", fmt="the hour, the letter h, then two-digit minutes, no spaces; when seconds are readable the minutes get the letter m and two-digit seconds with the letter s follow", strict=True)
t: 1h02
